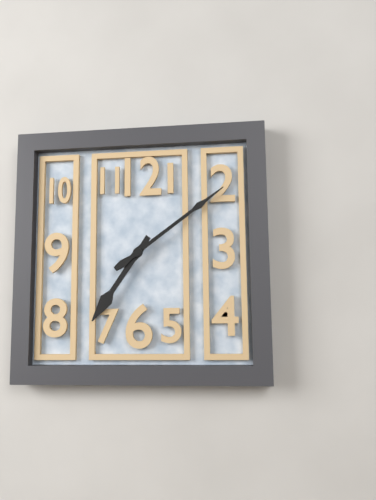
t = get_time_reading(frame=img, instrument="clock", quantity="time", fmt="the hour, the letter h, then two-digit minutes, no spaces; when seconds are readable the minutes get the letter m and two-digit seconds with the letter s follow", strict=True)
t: 7h09
